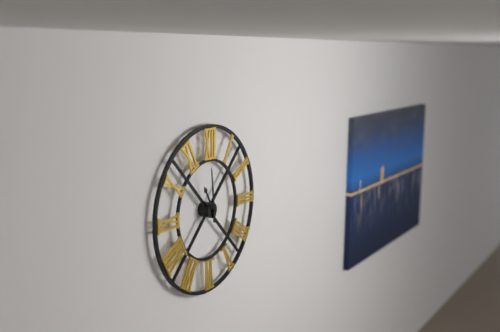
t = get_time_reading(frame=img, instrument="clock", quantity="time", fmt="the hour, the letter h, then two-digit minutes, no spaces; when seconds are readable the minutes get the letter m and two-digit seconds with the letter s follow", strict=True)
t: 10h59
